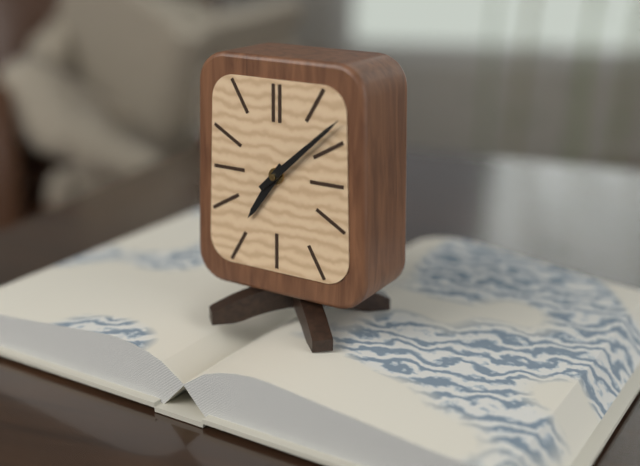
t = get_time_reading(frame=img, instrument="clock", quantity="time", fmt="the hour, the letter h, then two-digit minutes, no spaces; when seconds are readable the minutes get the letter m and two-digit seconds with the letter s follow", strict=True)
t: 7h08
